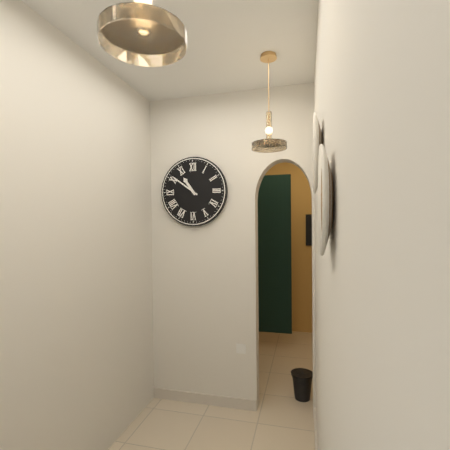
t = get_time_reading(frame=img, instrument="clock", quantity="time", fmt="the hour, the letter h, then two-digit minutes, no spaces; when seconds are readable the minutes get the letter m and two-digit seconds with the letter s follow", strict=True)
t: 10h51
